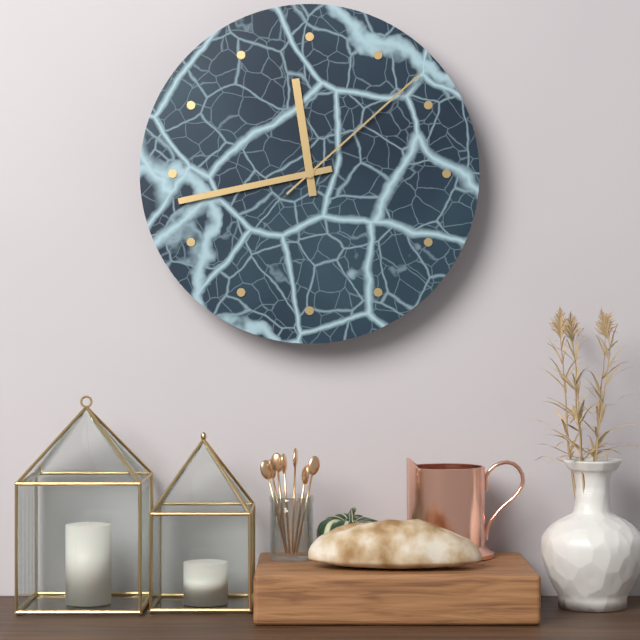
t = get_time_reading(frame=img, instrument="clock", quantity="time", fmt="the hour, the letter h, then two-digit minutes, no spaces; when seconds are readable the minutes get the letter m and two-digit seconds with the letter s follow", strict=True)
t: 11h43m08s
